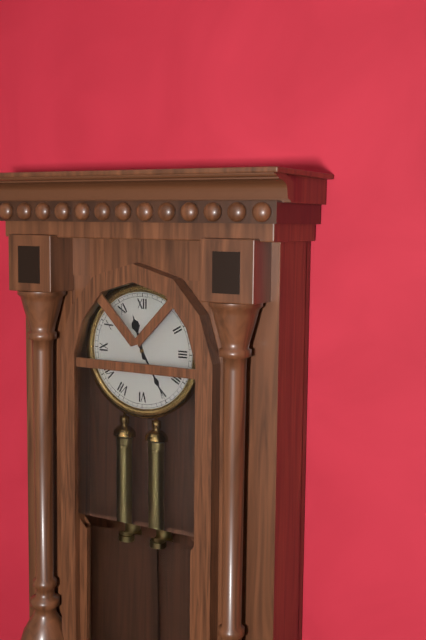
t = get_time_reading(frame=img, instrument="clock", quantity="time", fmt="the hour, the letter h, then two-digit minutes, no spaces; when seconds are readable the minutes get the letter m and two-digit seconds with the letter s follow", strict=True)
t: 11h25
